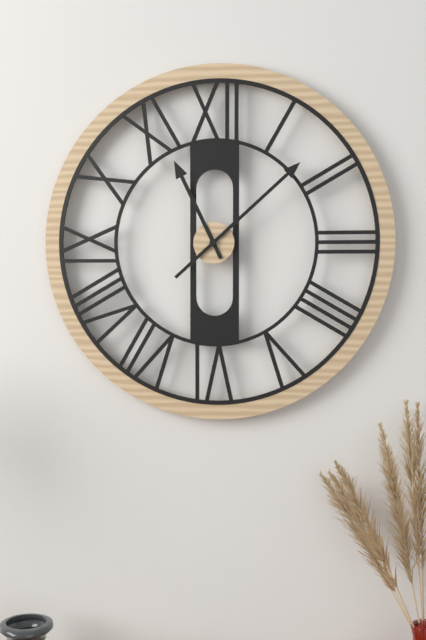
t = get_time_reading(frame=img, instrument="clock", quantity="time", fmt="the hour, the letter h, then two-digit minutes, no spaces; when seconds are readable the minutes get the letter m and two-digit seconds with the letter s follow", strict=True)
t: 11h08
